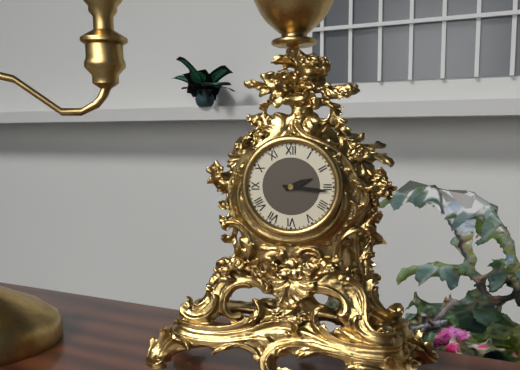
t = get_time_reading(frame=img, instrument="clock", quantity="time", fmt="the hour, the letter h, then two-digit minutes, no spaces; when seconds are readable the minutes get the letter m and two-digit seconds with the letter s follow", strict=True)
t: 2h16
